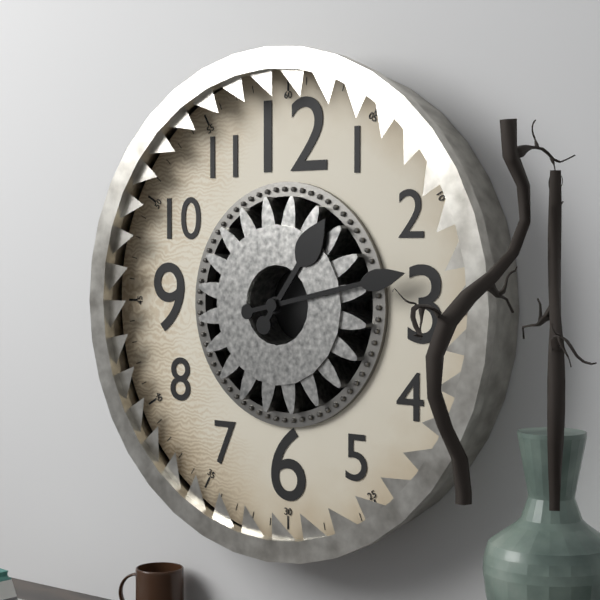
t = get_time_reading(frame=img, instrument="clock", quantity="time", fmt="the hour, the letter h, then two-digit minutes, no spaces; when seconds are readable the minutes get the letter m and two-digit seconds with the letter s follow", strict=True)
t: 1h13
